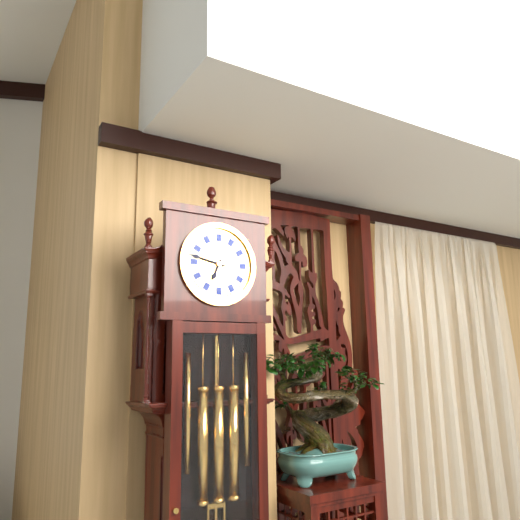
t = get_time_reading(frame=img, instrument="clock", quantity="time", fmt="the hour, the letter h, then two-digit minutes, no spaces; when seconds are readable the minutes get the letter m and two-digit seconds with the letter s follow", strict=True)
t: 6h47
